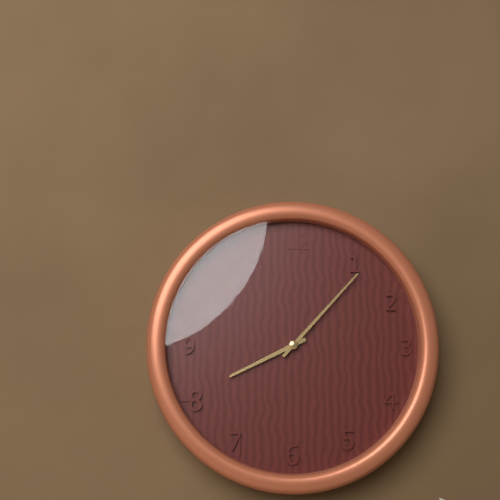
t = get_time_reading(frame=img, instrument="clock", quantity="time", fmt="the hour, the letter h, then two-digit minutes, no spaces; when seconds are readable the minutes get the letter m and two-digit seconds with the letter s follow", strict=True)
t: 8h07
